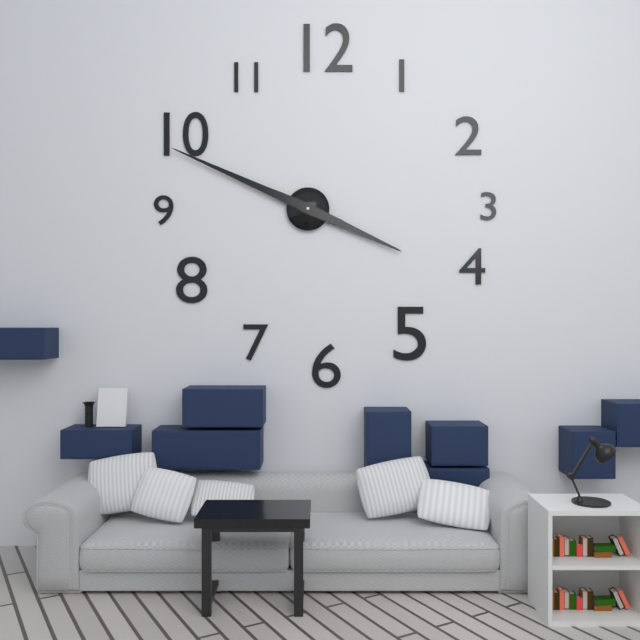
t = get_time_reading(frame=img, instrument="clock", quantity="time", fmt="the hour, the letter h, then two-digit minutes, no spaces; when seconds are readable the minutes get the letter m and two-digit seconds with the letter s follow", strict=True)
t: 3h49
